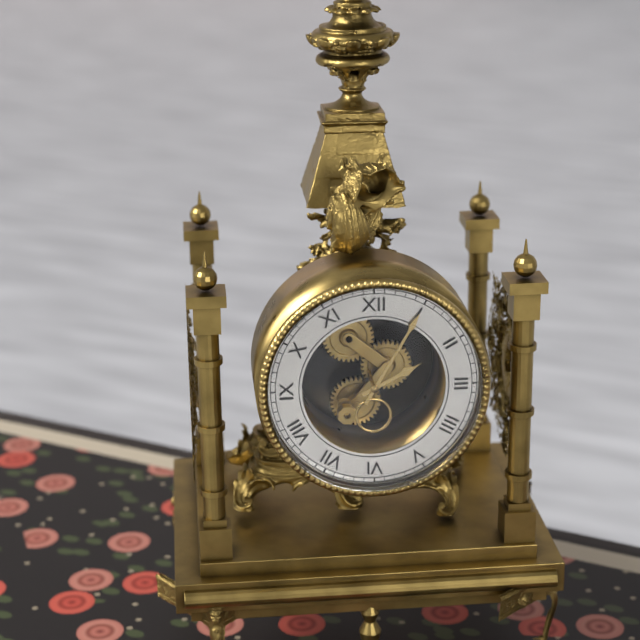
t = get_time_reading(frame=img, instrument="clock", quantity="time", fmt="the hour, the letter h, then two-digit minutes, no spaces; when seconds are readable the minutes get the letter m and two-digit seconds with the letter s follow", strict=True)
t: 2h05
